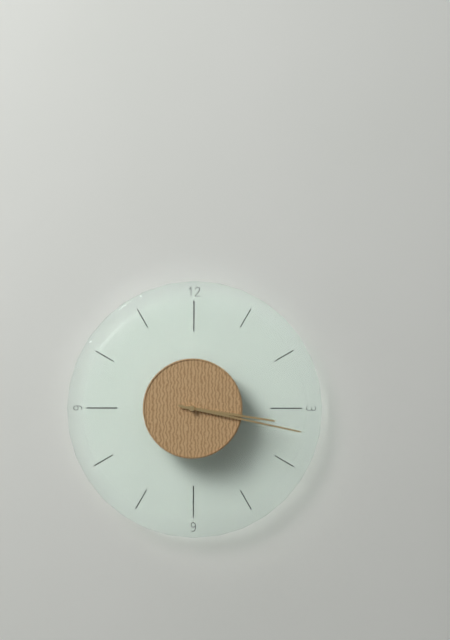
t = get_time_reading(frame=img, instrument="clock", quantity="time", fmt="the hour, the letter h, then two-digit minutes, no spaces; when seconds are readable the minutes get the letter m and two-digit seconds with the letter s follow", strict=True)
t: 3h17
